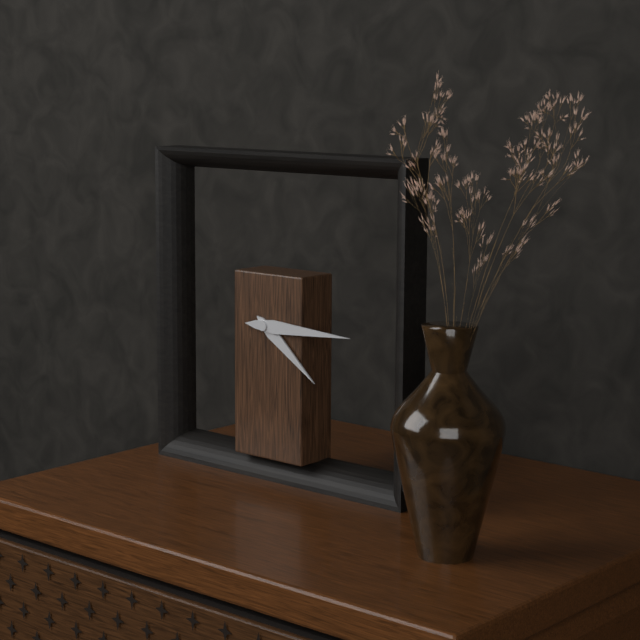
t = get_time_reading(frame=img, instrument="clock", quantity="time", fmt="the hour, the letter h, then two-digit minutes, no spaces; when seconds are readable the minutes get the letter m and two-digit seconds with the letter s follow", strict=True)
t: 4h15
